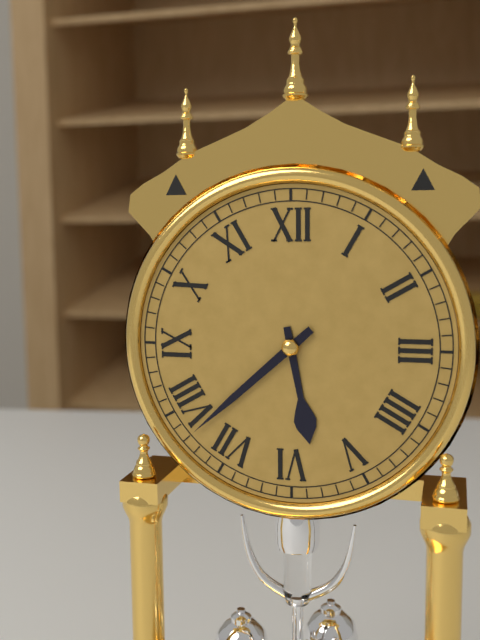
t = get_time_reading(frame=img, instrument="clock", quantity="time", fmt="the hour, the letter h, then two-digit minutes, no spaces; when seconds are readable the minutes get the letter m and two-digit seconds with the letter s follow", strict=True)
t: 5h38
